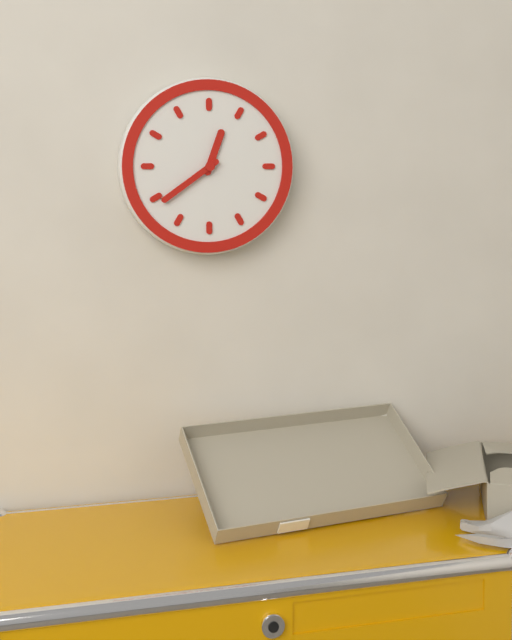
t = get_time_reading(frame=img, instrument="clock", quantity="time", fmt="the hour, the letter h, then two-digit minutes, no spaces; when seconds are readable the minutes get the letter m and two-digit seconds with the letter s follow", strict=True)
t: 12h39
